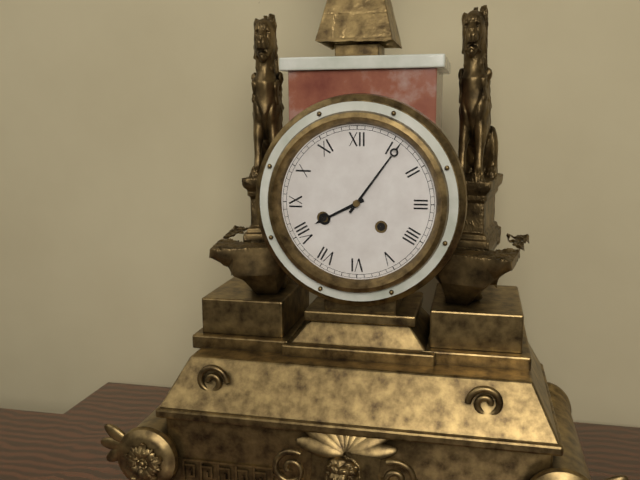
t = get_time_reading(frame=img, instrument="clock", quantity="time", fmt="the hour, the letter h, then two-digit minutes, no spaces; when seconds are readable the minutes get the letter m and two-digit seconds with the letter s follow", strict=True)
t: 8h06
